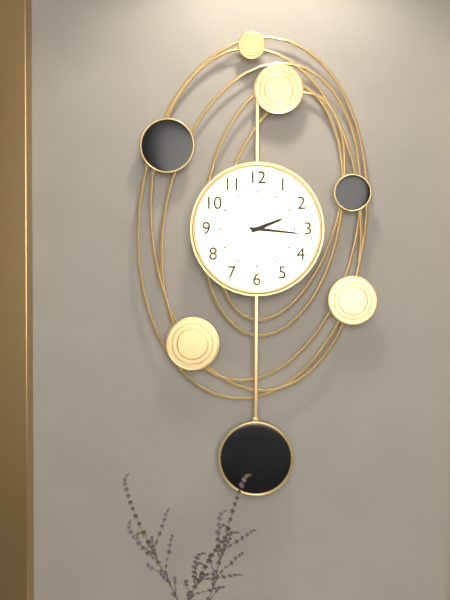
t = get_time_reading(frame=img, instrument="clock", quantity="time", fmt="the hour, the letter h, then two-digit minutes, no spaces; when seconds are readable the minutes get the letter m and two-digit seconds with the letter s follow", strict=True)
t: 2h16
